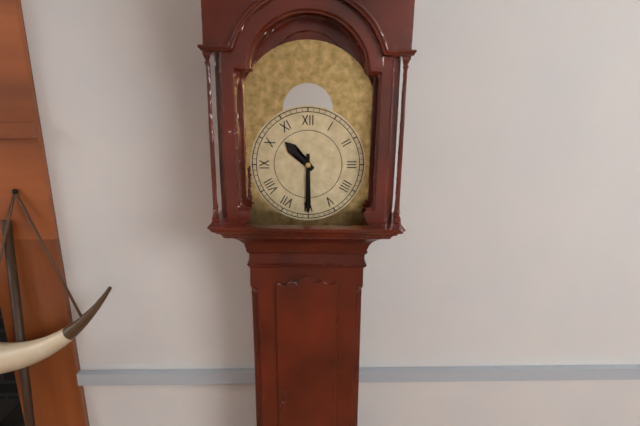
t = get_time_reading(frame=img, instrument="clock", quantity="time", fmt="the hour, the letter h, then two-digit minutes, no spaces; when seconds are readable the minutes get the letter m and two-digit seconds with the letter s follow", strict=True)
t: 10h30
